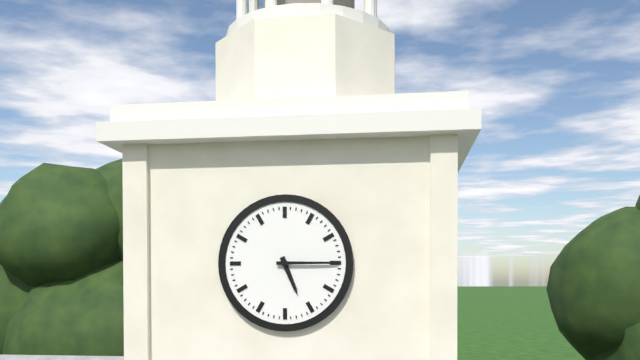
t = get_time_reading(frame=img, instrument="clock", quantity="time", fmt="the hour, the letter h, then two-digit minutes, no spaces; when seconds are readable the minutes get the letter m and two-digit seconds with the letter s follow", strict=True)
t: 5h15
